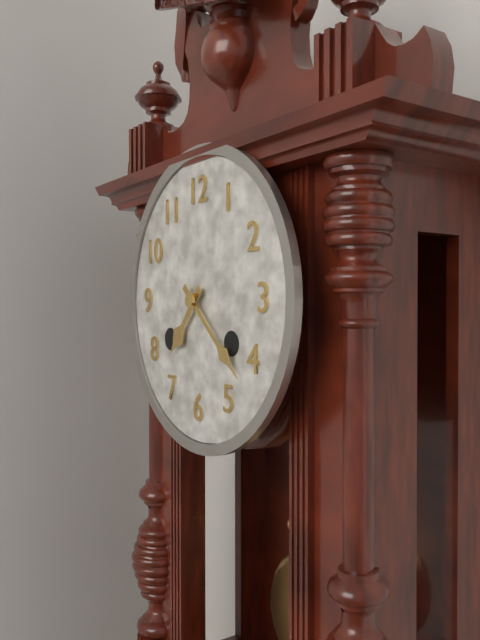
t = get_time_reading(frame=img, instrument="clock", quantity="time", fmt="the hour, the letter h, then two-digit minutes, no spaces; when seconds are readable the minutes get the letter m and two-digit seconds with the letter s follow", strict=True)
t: 7h22
